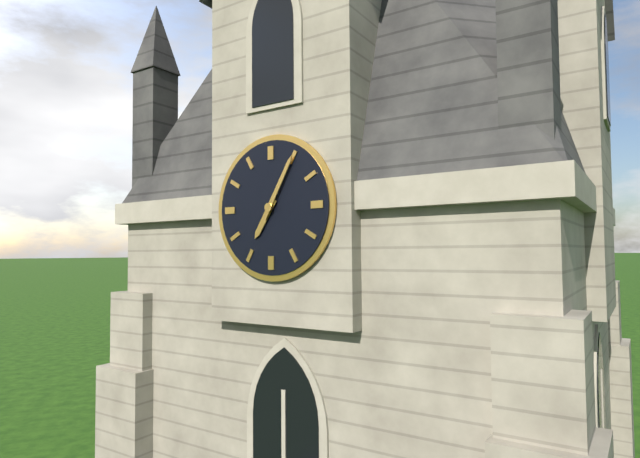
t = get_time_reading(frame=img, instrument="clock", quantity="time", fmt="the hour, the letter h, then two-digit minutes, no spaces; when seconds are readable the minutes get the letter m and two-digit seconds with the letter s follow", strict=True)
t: 7h05
